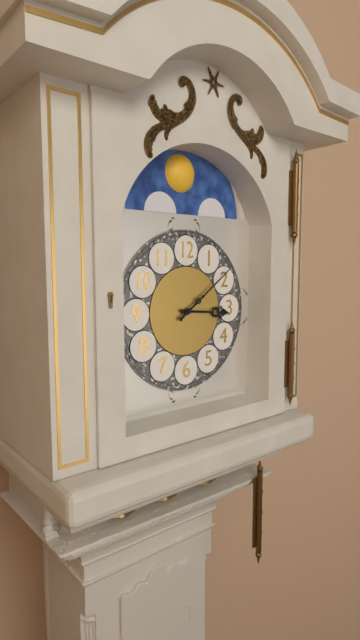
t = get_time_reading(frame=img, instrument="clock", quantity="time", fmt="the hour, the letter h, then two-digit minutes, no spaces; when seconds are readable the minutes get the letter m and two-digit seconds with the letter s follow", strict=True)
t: 3h09
